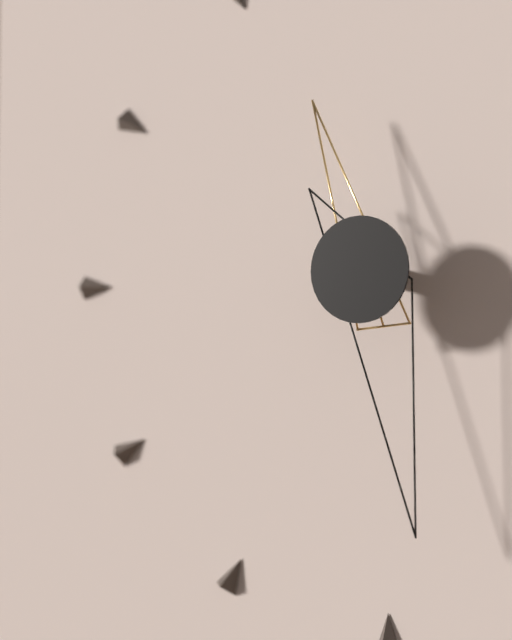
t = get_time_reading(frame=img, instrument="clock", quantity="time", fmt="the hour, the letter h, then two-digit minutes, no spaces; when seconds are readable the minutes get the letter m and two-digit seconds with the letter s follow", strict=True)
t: 11h28
